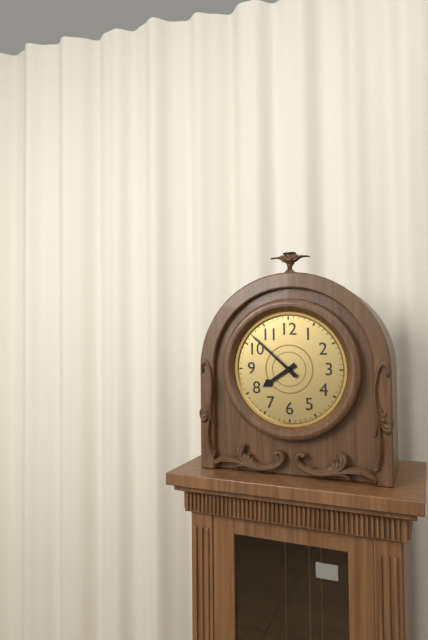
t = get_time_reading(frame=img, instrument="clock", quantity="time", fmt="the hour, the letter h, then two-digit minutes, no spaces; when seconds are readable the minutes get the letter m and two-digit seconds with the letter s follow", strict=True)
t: 7h52
